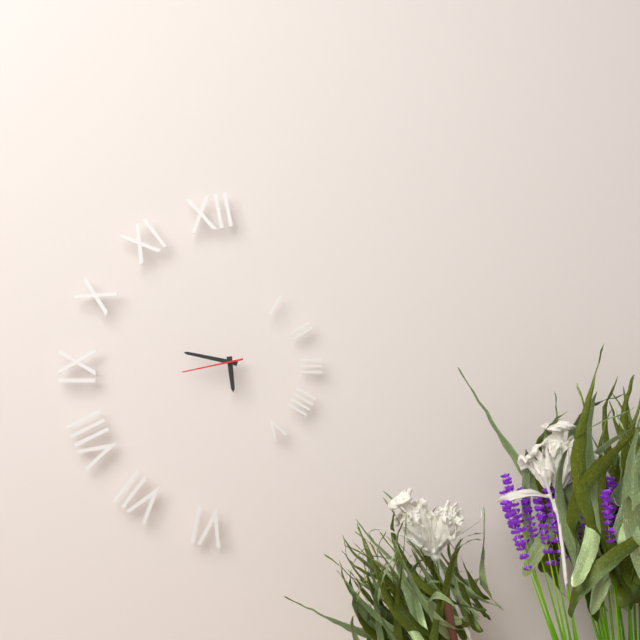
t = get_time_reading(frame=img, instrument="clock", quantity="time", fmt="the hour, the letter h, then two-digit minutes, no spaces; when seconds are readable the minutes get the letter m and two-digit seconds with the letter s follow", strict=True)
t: 5h47m43s
